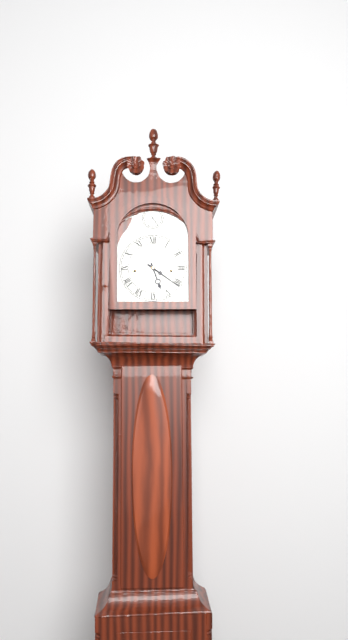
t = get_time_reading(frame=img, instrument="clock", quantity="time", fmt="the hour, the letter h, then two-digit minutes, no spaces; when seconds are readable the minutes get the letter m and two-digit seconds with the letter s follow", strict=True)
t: 5h21
